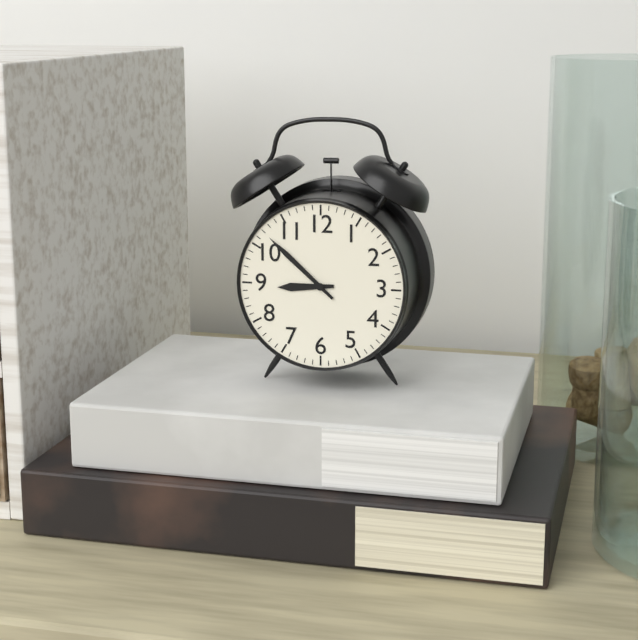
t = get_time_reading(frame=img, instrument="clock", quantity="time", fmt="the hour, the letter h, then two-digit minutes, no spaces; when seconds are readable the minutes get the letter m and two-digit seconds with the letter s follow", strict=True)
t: 8h52
